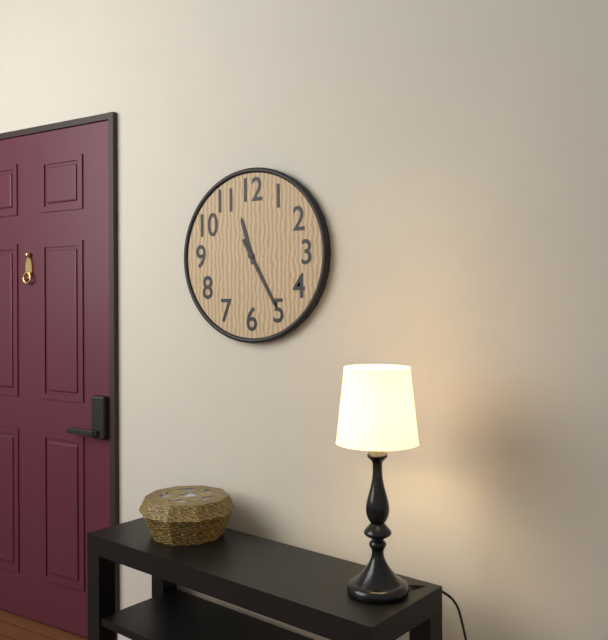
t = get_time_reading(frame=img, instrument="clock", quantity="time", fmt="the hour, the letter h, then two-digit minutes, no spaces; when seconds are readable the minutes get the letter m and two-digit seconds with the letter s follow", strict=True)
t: 11h25
